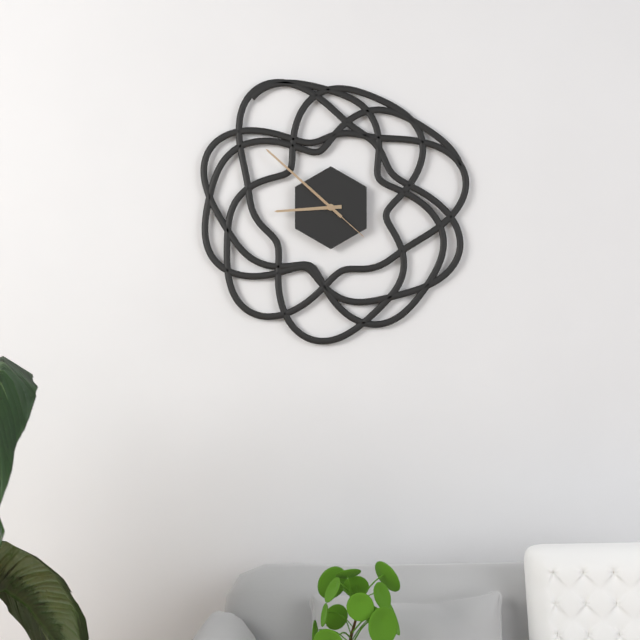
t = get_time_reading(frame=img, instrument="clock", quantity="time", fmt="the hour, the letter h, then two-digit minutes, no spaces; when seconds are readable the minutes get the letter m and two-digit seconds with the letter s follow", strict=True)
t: 8h52m22s
